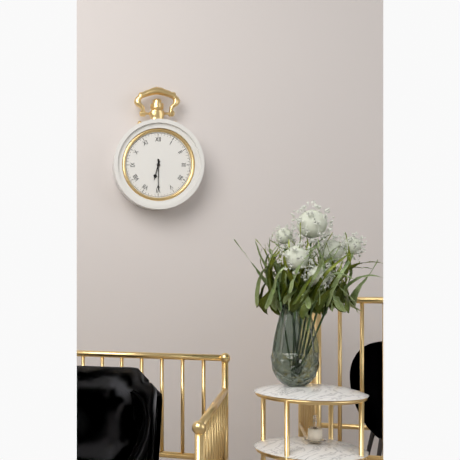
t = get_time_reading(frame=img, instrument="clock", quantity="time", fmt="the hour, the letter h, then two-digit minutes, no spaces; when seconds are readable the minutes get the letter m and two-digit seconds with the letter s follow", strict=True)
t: 6h30
